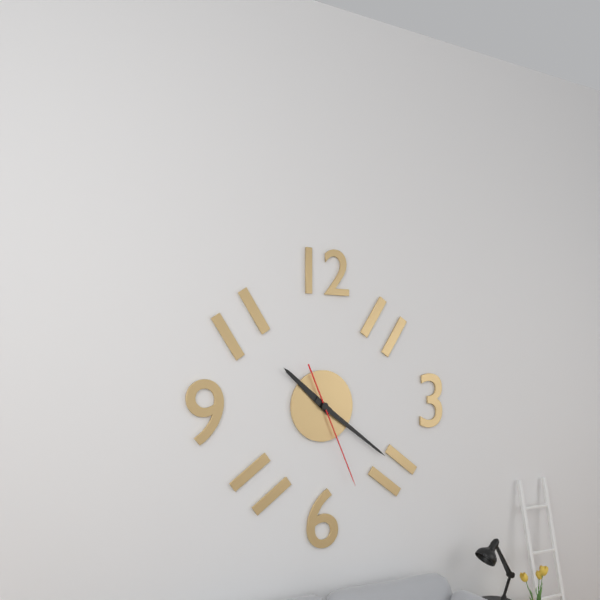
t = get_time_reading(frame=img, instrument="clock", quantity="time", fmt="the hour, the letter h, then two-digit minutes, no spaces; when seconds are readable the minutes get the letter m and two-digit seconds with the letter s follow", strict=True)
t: 10h21m26s
